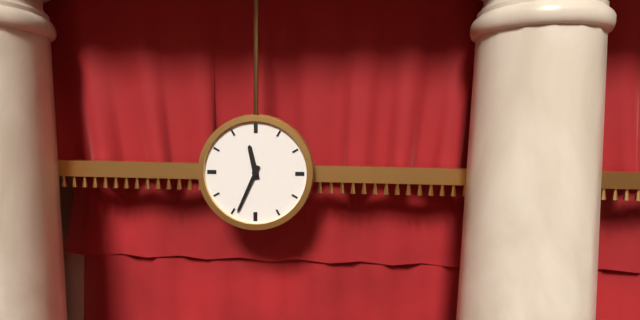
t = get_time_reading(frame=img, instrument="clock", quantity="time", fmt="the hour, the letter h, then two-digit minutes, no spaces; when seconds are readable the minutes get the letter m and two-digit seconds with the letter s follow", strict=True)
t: 11h34
